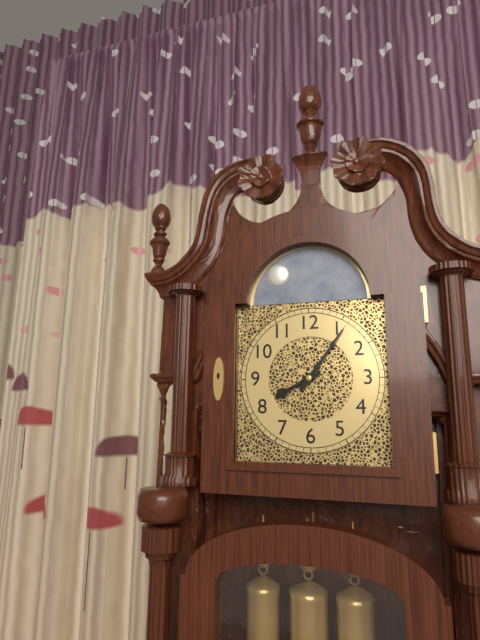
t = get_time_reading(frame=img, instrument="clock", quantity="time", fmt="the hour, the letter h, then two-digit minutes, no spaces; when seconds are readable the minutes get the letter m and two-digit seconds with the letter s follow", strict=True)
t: 8h06
